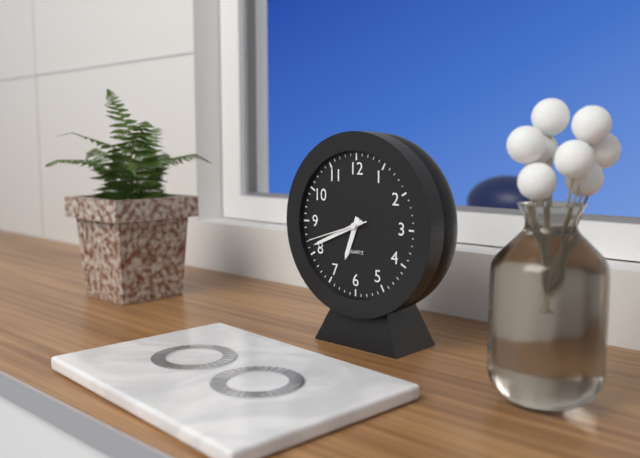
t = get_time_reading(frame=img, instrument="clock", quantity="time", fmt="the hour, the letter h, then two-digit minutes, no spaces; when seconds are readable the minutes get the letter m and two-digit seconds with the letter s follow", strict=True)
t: 6h41m42s
